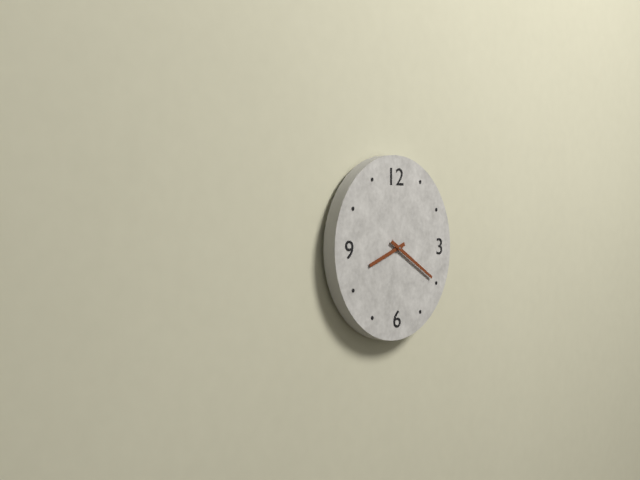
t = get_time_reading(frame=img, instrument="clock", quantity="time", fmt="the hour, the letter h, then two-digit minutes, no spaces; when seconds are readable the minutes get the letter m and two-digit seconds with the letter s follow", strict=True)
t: 8h20
